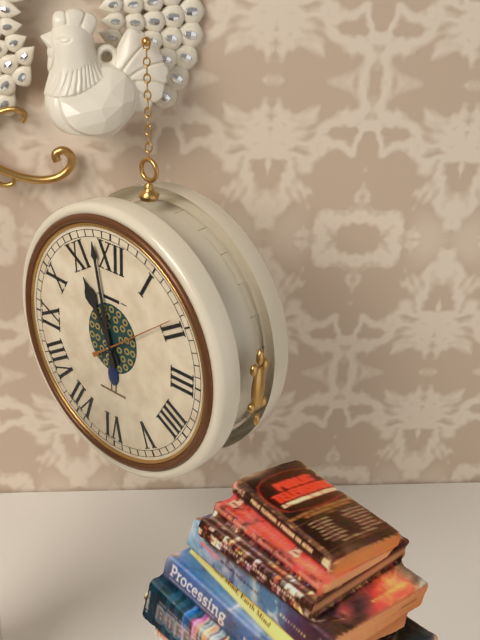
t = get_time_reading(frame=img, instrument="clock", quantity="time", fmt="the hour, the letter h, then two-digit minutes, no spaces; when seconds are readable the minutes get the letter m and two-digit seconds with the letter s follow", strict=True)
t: 10h58
